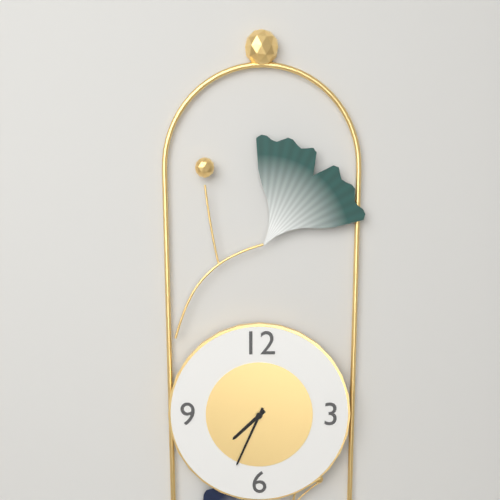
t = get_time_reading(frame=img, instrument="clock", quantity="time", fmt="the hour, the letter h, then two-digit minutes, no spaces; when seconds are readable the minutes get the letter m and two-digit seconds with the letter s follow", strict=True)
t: 7h34
